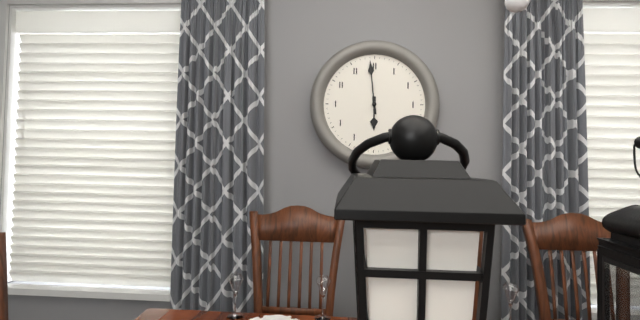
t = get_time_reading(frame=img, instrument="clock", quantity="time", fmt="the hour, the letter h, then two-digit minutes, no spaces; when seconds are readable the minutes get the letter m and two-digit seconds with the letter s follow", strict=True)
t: 5h59
